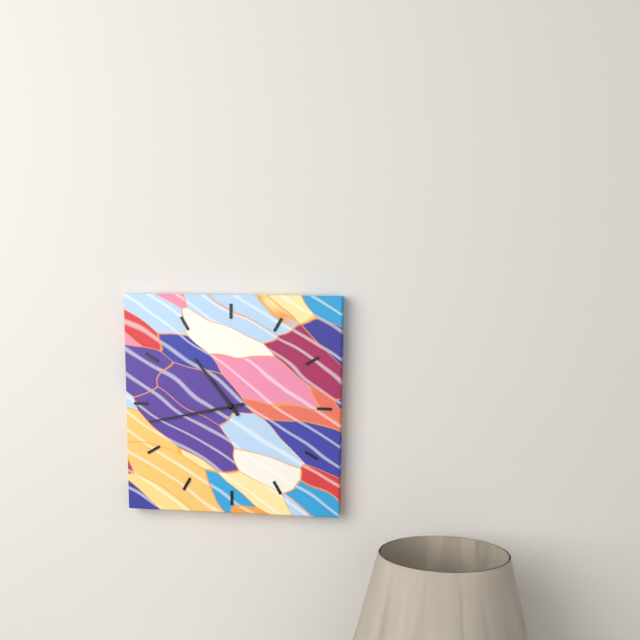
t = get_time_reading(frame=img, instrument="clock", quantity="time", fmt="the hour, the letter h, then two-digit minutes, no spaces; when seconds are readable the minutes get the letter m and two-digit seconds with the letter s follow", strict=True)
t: 10h43
